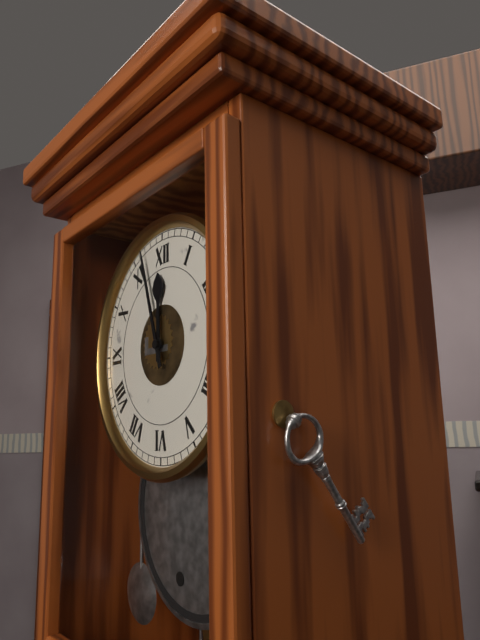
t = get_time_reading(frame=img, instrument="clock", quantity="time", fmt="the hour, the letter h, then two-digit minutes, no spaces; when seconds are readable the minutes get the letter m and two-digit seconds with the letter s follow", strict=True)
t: 11h57
